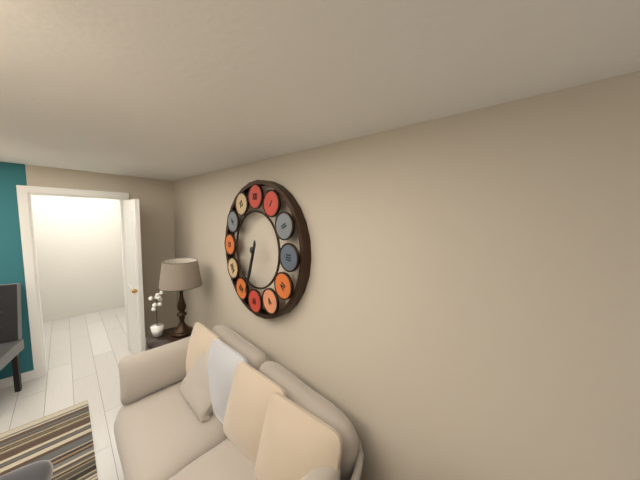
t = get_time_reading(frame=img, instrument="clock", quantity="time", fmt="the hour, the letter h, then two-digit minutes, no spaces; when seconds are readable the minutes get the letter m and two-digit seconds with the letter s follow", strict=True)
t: 6h33
